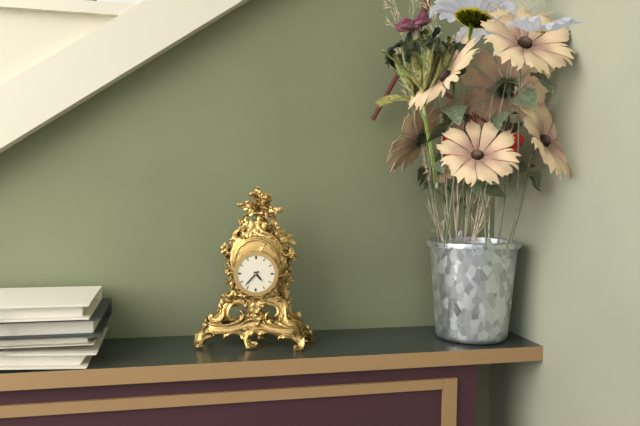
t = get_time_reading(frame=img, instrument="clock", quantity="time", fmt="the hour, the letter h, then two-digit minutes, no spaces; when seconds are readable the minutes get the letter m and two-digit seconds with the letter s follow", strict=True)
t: 4h37
